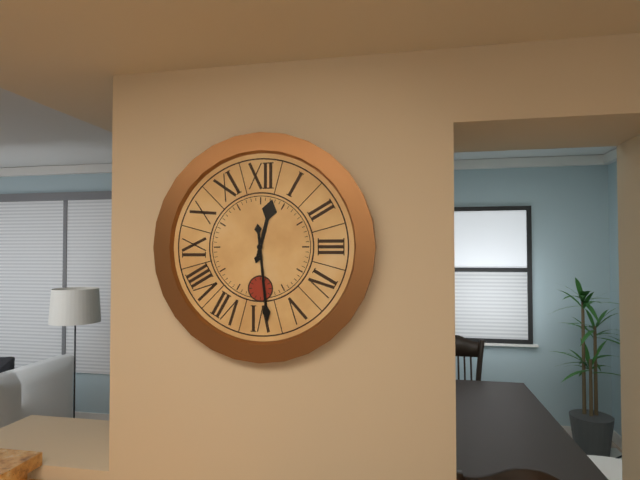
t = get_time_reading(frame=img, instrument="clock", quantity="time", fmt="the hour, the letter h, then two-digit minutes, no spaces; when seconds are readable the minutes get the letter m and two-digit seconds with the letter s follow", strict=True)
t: 12h29
